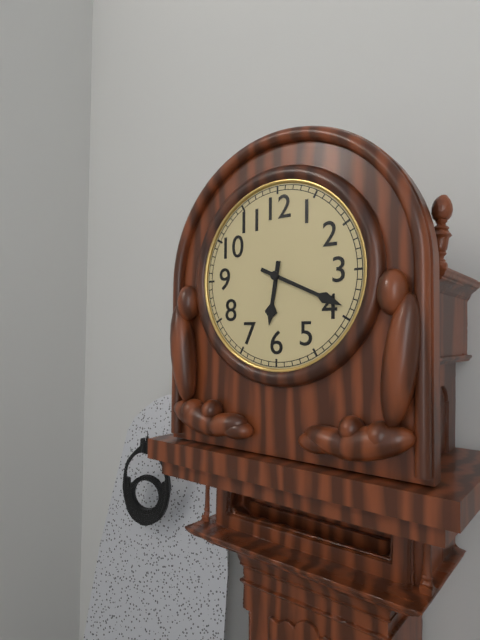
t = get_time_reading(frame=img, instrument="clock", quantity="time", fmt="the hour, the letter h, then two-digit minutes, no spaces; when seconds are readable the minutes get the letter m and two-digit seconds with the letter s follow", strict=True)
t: 6h19
